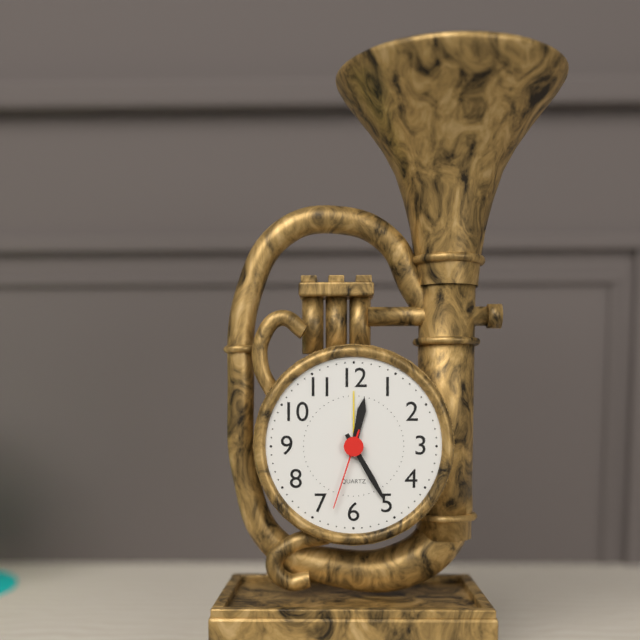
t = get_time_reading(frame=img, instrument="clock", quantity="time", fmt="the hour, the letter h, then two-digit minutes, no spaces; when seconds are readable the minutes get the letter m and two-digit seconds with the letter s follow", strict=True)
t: 12h25m33s
